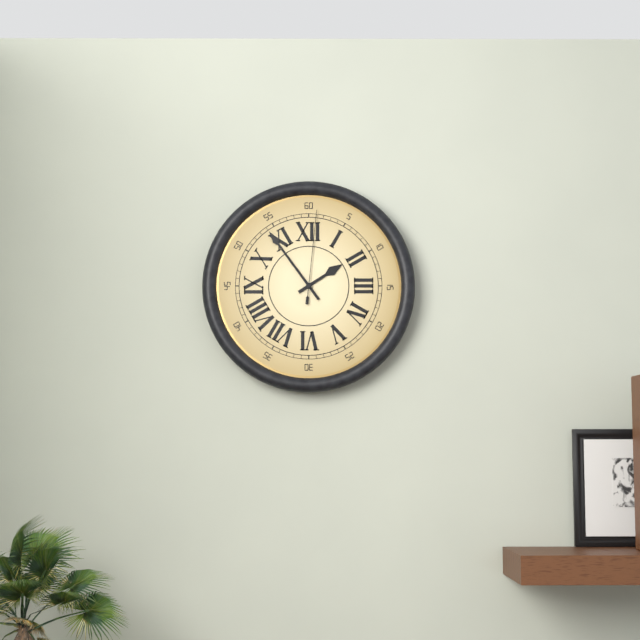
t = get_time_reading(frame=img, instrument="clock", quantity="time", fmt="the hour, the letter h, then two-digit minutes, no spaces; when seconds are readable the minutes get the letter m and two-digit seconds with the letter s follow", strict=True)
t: 1h54m01s
